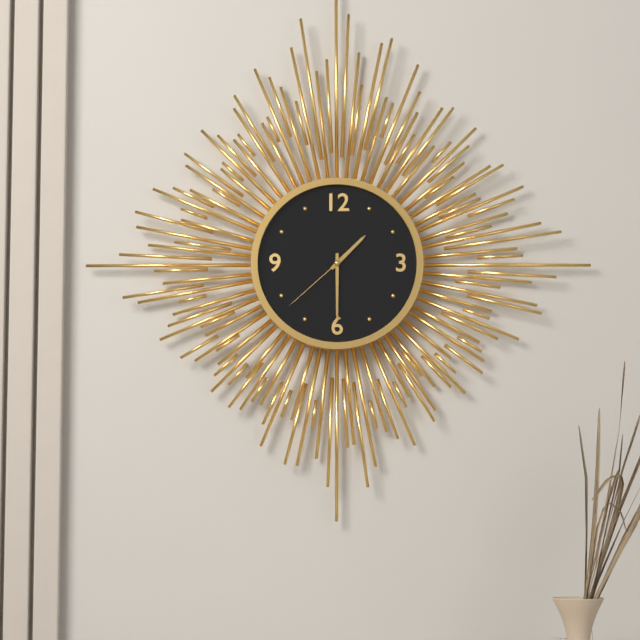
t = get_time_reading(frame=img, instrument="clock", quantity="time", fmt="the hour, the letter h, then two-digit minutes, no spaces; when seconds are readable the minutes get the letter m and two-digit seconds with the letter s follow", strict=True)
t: 1h30m38s
